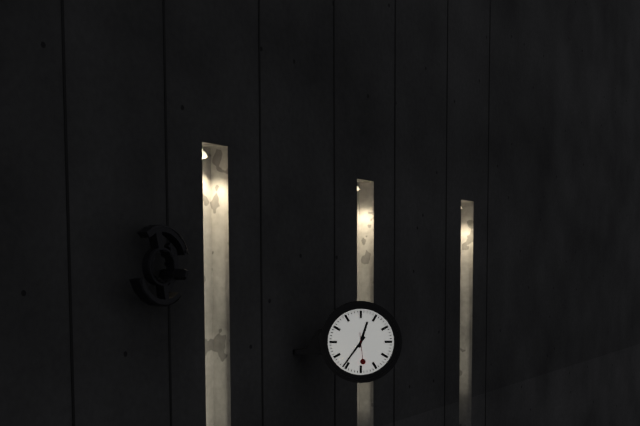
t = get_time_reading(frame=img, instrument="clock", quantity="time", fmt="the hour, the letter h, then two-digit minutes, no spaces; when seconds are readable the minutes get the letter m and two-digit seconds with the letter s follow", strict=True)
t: 12h36
